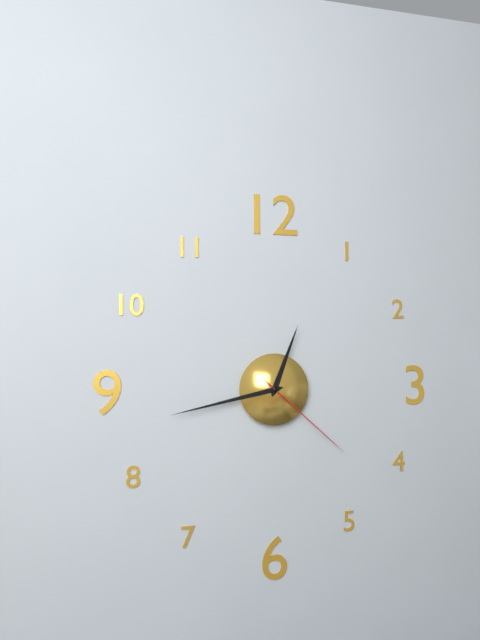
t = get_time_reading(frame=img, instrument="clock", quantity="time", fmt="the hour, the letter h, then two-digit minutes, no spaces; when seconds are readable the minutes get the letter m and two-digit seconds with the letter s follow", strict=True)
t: 12h43m22s
